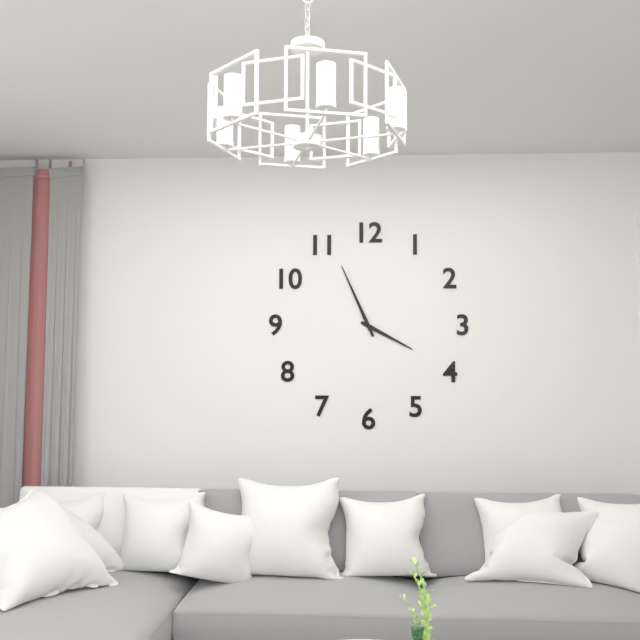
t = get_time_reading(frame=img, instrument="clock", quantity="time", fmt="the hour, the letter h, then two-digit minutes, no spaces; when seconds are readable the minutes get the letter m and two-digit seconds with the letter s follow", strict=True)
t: 3h56
